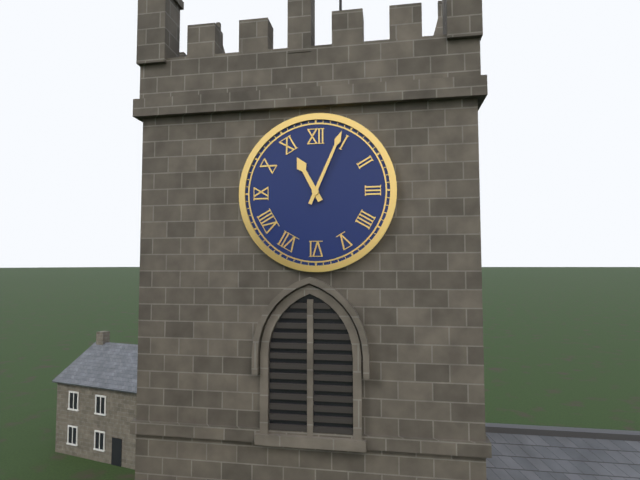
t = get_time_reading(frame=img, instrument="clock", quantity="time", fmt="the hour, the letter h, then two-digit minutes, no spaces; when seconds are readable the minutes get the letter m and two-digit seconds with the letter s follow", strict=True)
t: 11h04
